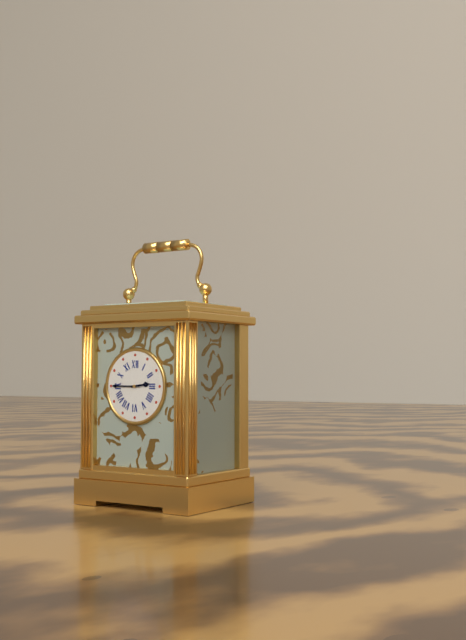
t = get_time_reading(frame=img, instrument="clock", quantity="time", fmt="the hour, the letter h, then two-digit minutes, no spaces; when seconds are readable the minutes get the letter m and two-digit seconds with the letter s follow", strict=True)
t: 2h45
